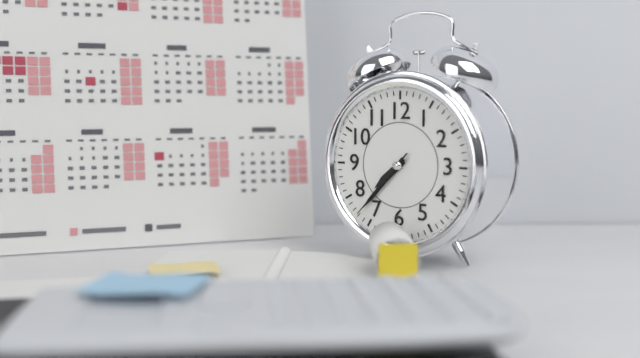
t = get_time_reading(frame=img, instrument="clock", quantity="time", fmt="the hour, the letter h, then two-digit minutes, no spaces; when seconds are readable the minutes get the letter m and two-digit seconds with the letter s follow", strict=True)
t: 7h37m37s
